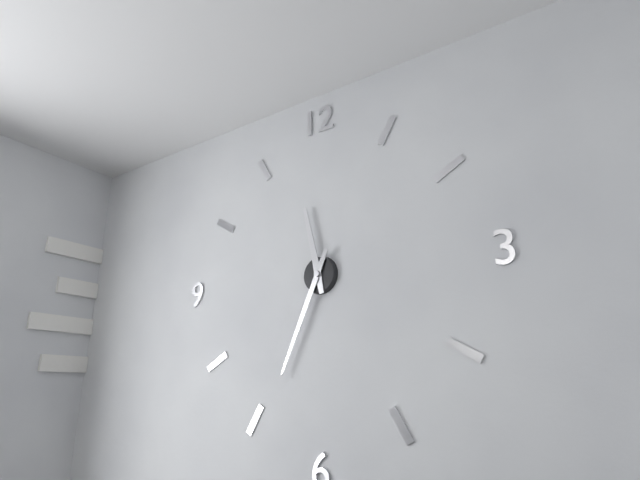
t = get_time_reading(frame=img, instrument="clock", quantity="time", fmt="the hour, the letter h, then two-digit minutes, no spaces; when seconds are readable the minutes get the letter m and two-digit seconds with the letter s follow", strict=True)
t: 11h34
